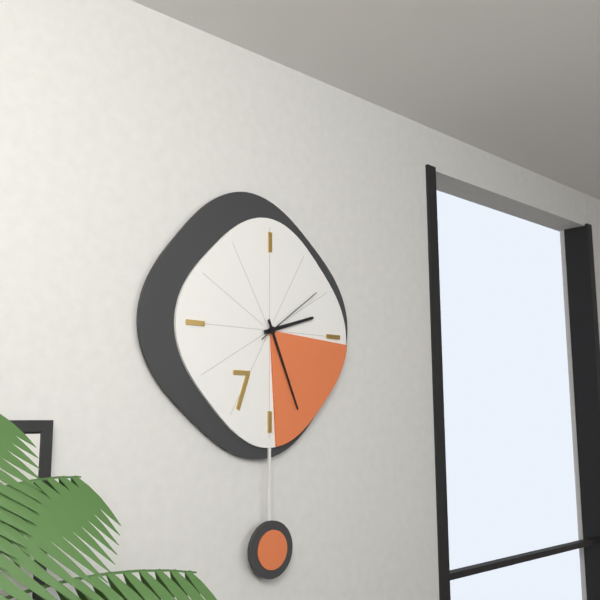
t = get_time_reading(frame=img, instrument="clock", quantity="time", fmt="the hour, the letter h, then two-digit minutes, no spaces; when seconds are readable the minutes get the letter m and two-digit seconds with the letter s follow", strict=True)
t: 2h26m09s
